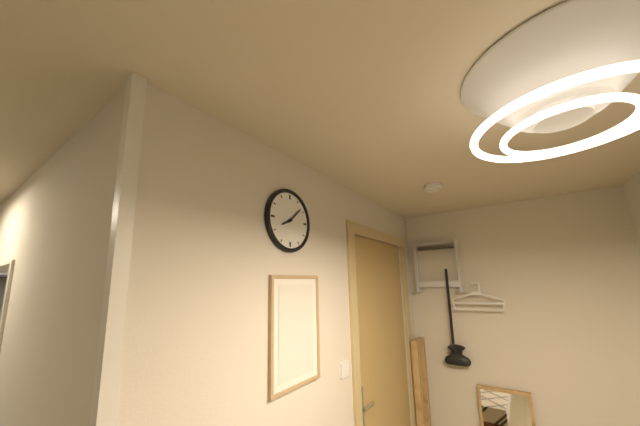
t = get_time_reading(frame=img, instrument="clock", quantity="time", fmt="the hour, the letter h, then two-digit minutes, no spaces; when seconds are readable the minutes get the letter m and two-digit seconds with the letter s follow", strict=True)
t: 8h08
